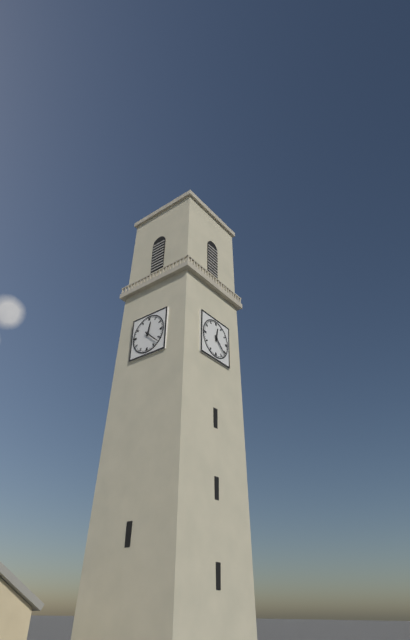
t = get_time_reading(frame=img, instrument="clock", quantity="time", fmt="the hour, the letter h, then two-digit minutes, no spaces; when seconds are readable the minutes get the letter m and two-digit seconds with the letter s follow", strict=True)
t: 12h22
